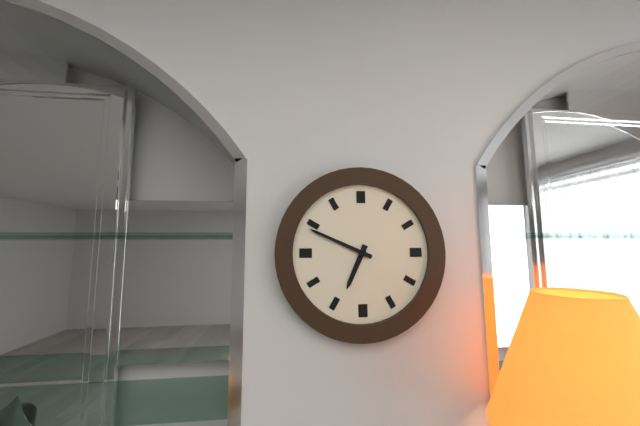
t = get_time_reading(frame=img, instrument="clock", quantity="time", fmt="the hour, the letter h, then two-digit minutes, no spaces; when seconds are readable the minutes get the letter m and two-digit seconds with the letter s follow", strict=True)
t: 6h49
